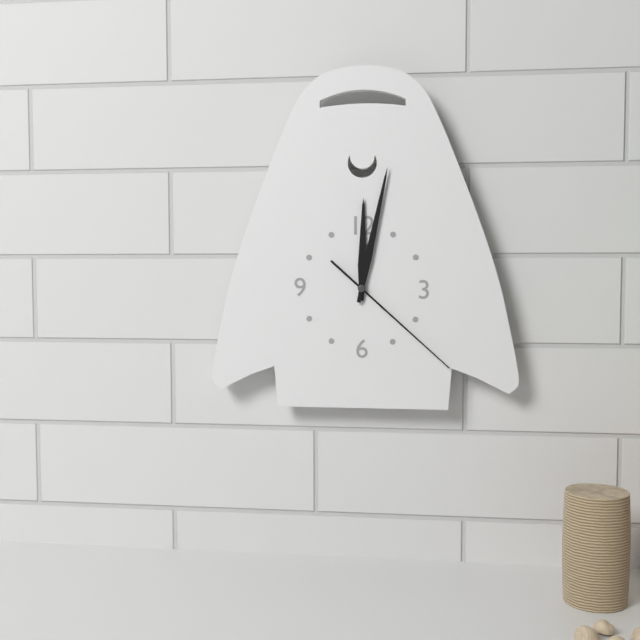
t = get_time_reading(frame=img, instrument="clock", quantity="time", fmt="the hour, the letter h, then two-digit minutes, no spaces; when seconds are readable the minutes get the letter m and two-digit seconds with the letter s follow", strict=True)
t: 12h02m22s
